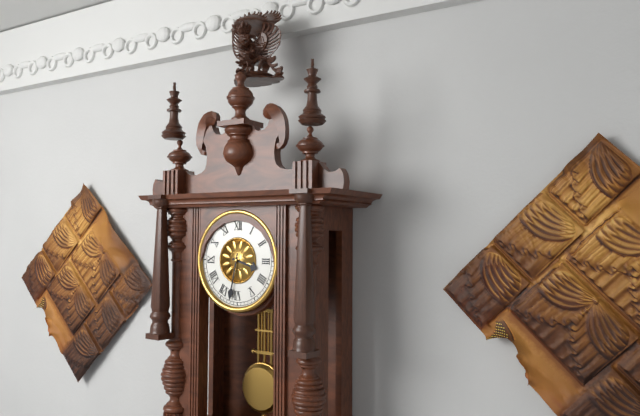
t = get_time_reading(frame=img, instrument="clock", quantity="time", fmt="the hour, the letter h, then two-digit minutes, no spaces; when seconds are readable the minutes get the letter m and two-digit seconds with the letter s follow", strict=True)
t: 3h32
